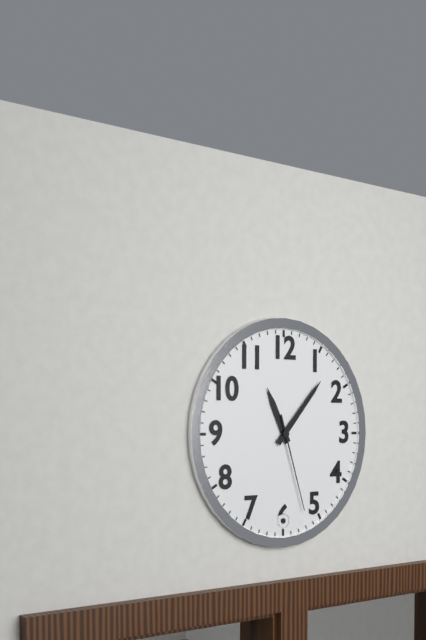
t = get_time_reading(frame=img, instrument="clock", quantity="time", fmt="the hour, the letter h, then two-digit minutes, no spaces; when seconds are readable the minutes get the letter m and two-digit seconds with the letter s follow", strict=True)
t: 11h07m27s
